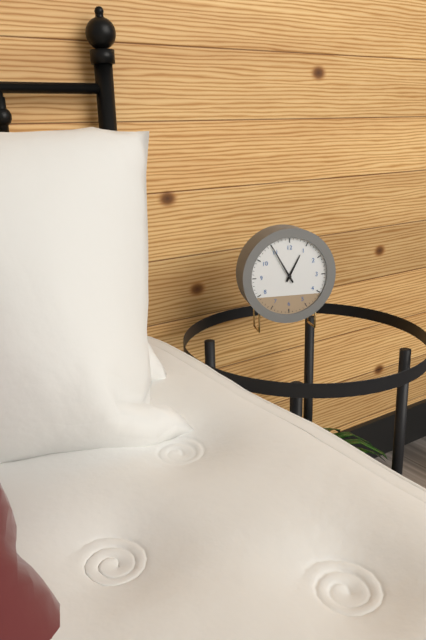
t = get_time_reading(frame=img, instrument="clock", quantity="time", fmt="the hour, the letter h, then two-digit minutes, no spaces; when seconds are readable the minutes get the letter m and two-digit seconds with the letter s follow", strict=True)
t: 12h55
